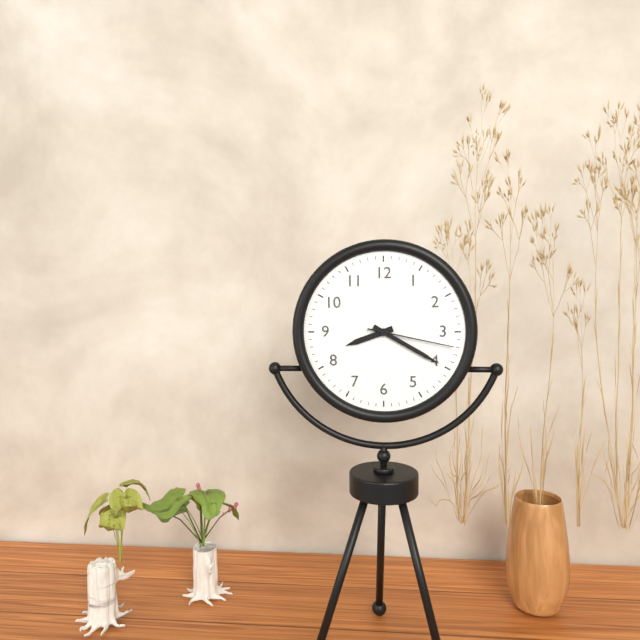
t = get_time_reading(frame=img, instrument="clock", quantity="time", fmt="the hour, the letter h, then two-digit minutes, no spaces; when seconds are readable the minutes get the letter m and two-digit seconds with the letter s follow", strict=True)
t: 8h20m17s
